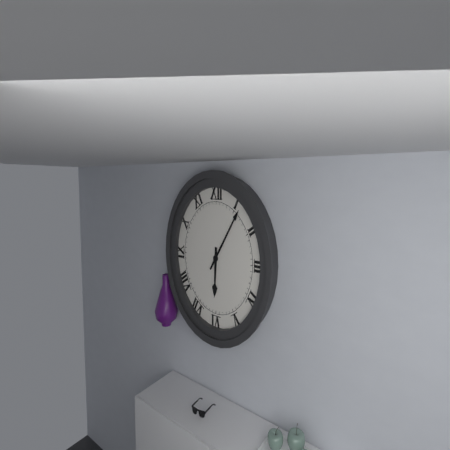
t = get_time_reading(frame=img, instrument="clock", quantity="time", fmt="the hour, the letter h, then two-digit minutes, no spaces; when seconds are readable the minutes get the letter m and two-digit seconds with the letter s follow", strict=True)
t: 6h06
